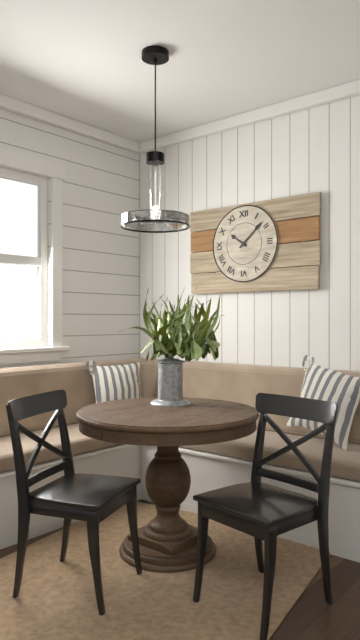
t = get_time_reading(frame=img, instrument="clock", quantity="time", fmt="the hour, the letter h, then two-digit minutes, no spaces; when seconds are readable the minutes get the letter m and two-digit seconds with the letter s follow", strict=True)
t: 10h08
